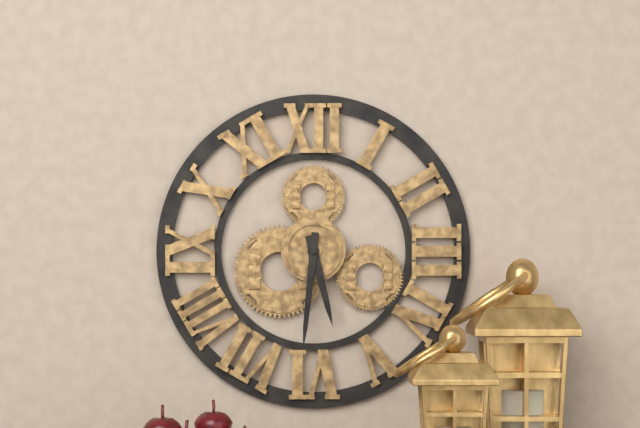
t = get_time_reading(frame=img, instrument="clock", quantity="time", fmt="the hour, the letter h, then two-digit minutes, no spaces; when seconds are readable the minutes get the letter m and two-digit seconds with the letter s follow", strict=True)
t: 5h31
